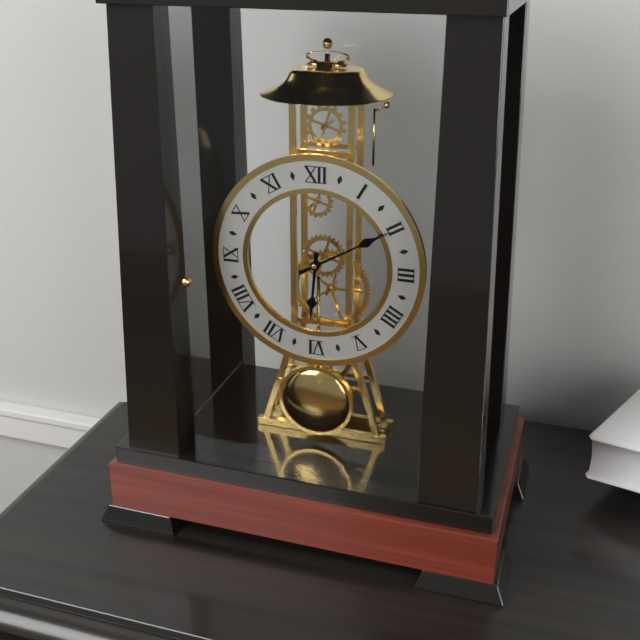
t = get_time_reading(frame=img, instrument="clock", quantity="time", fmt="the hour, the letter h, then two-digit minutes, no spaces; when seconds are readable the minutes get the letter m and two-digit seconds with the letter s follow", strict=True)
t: 6h10
